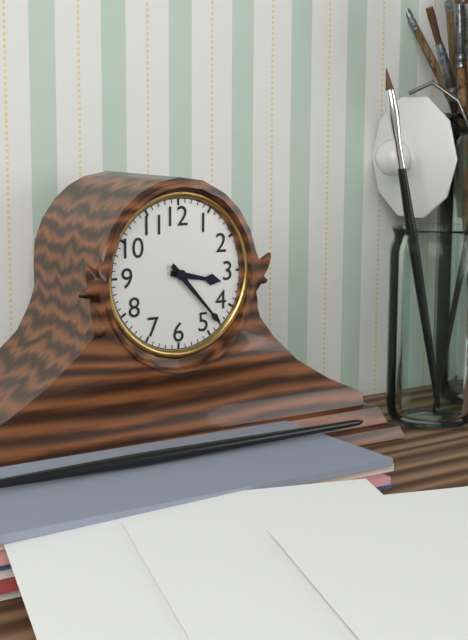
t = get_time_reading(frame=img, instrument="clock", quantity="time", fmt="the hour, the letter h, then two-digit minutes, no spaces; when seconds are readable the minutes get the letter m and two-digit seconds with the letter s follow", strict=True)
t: 3h23
